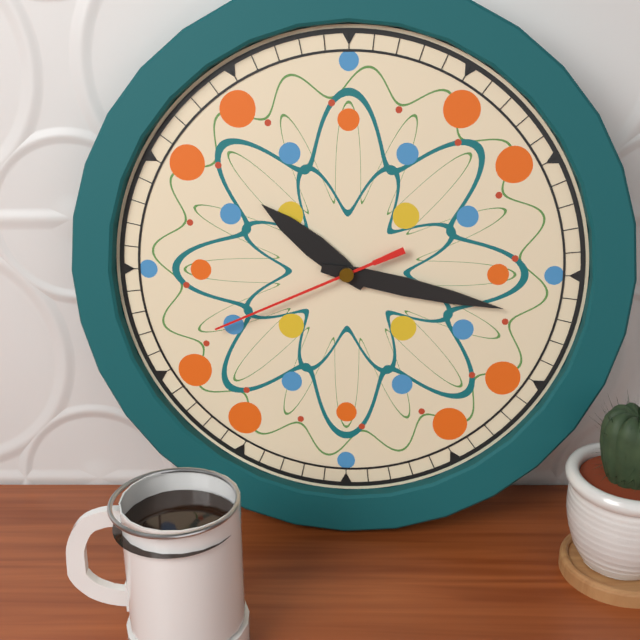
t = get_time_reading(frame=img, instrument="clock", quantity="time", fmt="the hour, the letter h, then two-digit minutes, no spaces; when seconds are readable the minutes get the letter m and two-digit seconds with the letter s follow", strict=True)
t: 10h17m41s
